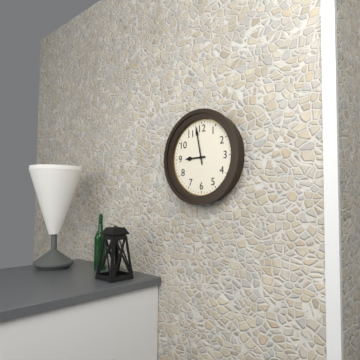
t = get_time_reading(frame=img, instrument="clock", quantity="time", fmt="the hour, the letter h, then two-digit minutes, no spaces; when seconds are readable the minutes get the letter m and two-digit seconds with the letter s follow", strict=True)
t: 8h58
